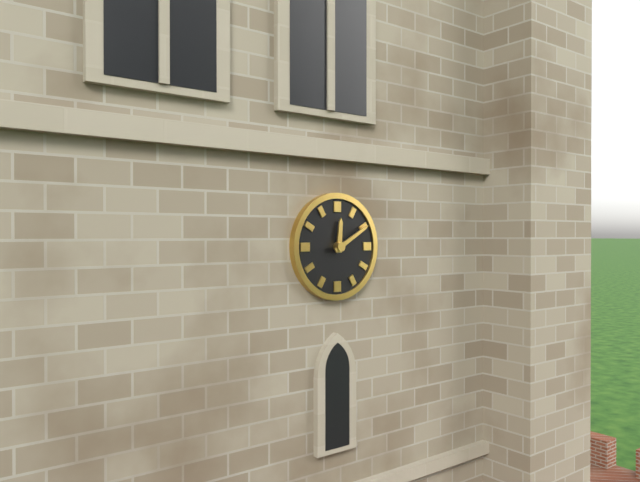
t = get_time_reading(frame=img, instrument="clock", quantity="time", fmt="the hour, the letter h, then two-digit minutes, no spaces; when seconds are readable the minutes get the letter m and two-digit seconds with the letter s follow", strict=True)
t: 12h10
